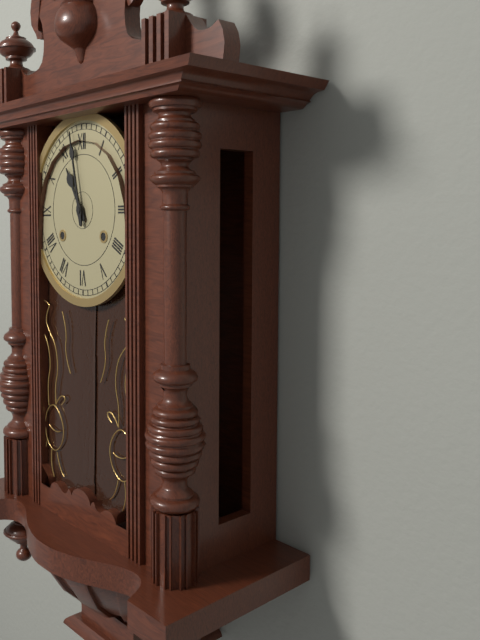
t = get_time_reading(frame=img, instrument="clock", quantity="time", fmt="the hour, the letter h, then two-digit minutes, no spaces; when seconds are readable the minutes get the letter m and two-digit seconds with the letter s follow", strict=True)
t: 10h58
